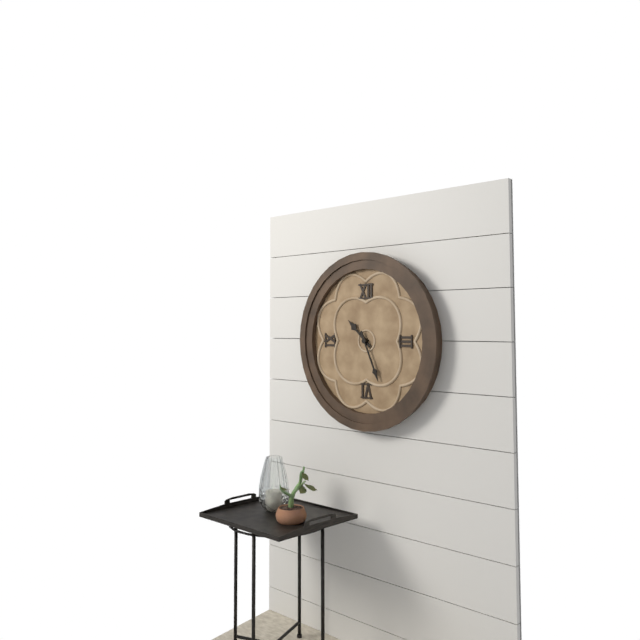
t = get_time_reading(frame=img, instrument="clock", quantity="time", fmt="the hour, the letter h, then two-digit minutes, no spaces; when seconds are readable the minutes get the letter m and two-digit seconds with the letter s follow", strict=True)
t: 10h26
